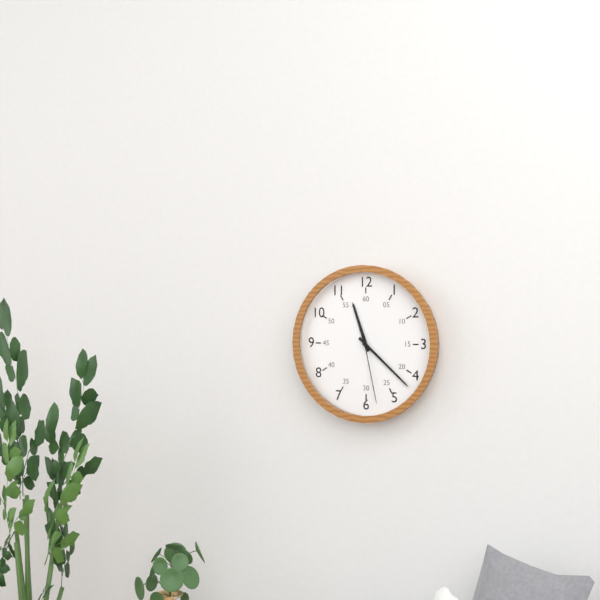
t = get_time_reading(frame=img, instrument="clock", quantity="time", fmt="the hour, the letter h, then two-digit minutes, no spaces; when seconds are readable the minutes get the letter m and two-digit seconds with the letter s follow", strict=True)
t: 11h22m28s
